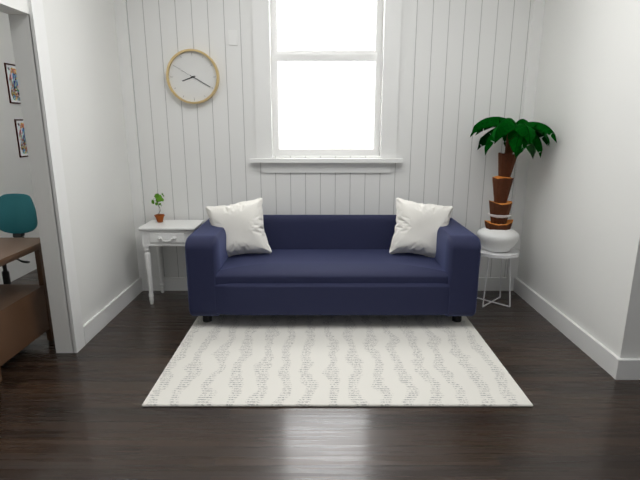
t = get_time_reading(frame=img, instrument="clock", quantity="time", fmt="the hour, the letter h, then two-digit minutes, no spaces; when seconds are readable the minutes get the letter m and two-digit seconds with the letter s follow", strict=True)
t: 8h20
